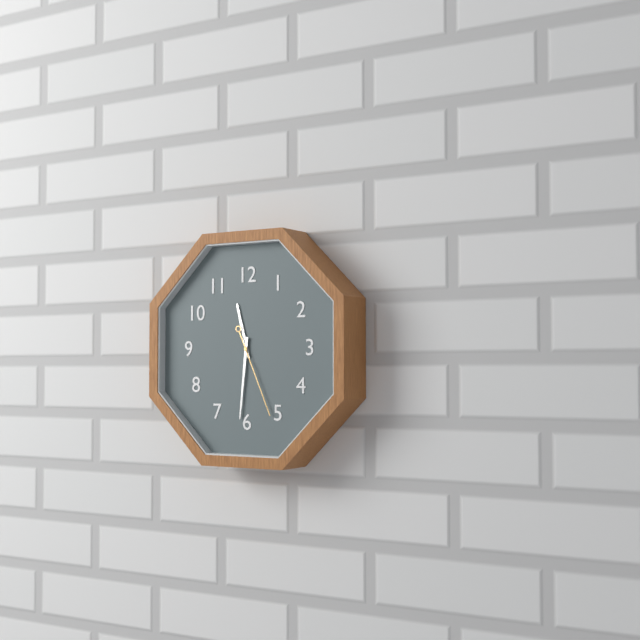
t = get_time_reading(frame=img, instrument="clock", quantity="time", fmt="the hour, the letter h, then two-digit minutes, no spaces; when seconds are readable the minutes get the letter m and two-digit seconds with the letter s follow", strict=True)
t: 11h31m26s
